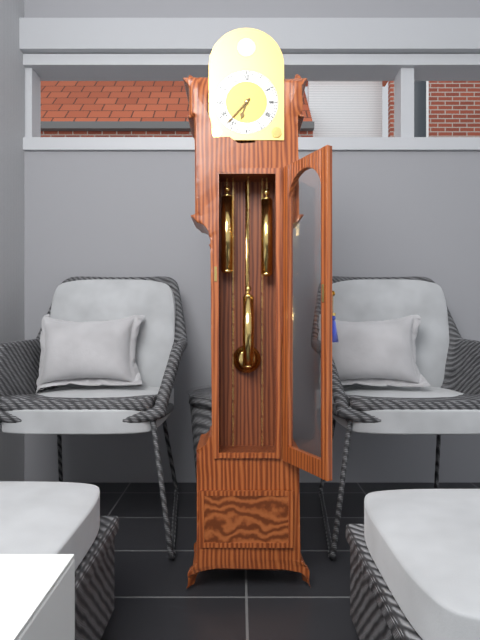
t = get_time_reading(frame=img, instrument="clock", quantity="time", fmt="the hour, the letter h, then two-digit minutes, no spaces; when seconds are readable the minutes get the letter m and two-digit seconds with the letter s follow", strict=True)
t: 6h37
